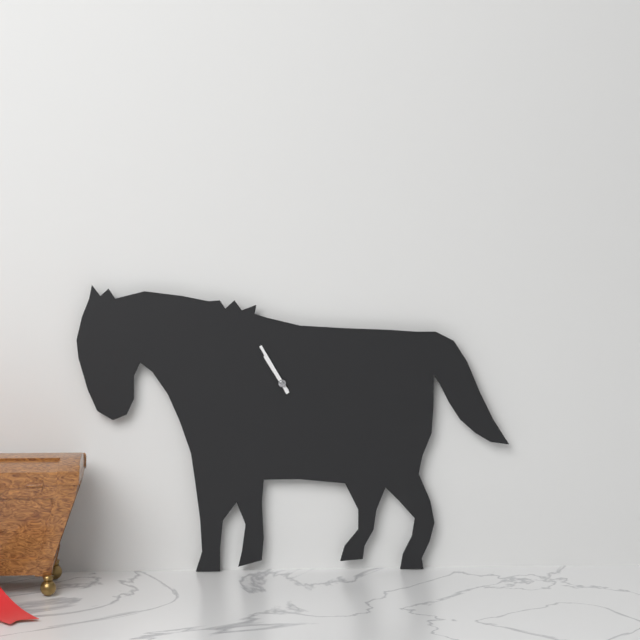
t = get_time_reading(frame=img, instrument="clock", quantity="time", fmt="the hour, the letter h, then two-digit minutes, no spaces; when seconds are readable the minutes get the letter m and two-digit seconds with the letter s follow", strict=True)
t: 10h55
